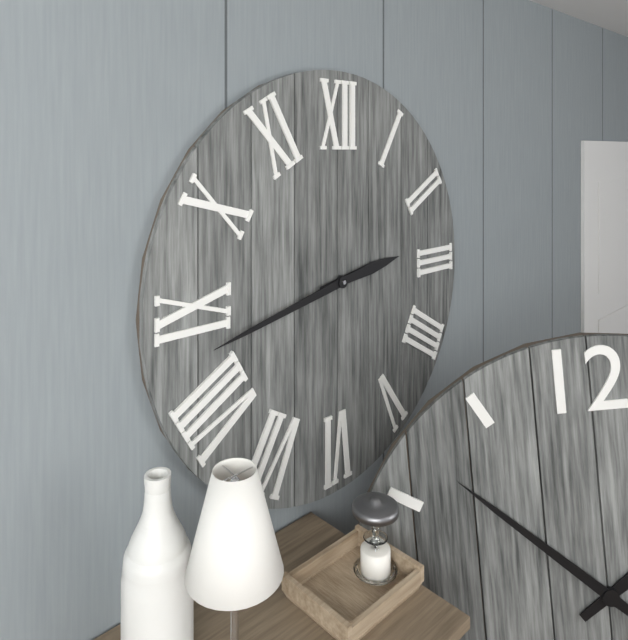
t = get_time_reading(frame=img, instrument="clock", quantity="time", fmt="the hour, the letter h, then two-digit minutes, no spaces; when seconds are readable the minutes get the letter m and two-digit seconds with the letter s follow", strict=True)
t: 2h43
